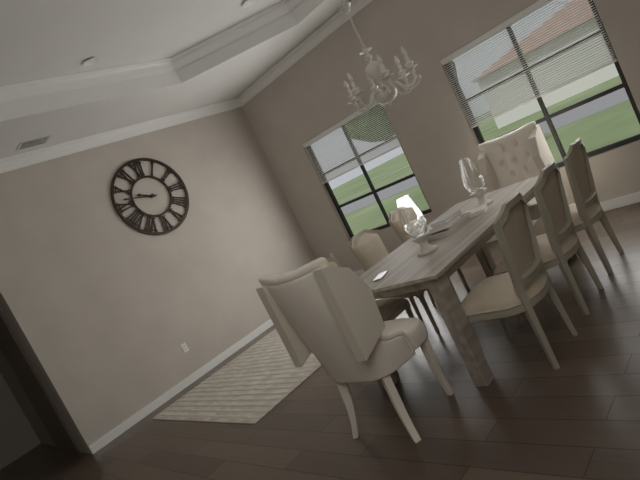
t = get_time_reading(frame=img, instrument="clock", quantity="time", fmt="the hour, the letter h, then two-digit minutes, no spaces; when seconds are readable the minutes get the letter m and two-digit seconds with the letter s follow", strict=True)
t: 9h47
